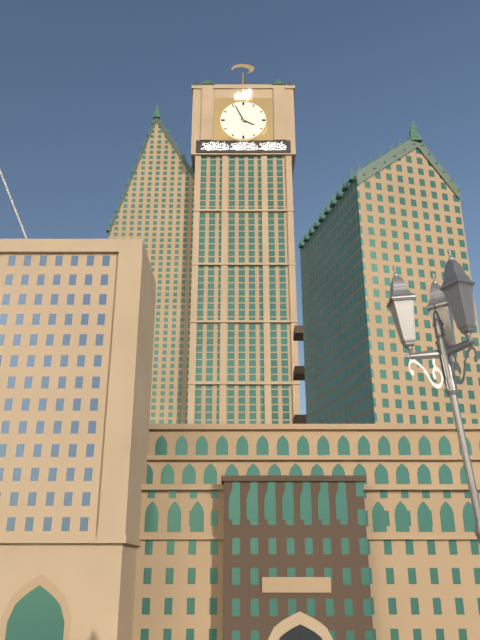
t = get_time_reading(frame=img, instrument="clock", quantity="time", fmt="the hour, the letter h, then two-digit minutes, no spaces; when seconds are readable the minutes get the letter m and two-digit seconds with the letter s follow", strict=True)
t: 3h56
